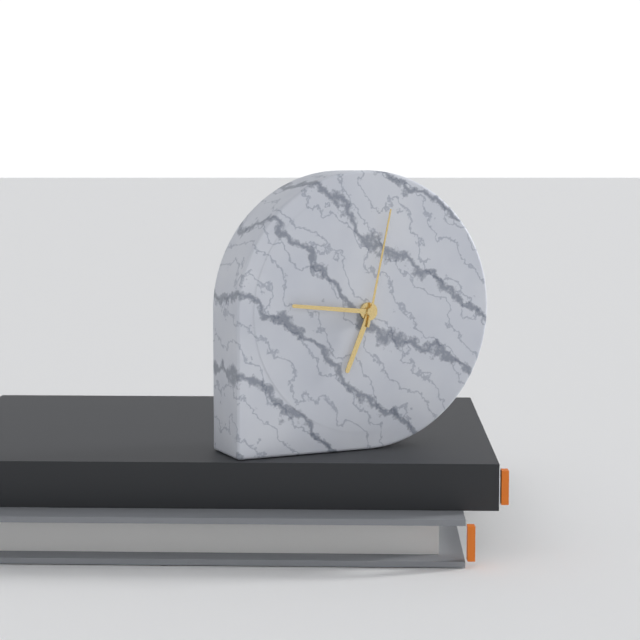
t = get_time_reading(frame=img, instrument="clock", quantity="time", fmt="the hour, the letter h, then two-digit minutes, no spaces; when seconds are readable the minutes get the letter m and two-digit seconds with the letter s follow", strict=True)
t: 6h46m02s
